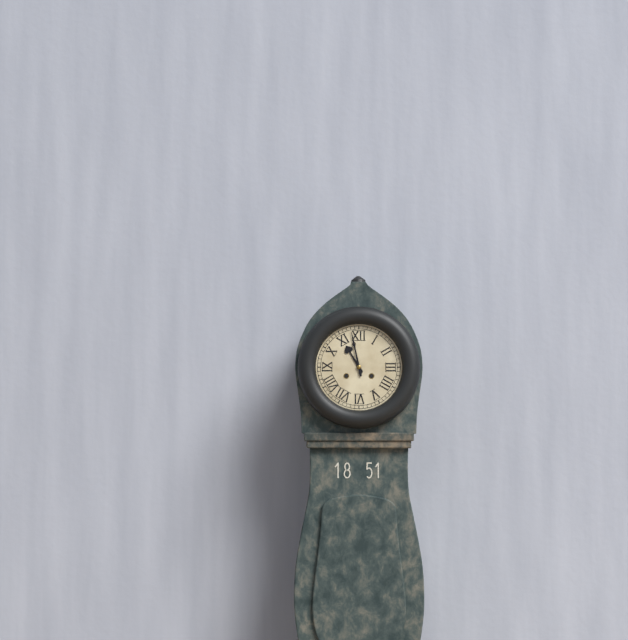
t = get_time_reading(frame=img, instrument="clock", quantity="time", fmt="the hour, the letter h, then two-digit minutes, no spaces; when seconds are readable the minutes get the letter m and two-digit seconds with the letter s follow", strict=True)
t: 10h58
